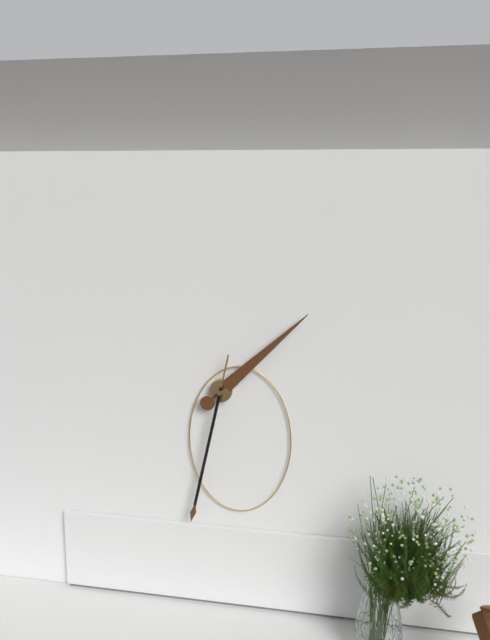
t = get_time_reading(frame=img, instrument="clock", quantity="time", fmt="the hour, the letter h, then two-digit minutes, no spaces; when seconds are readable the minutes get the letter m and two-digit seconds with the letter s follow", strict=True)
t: 1h32
